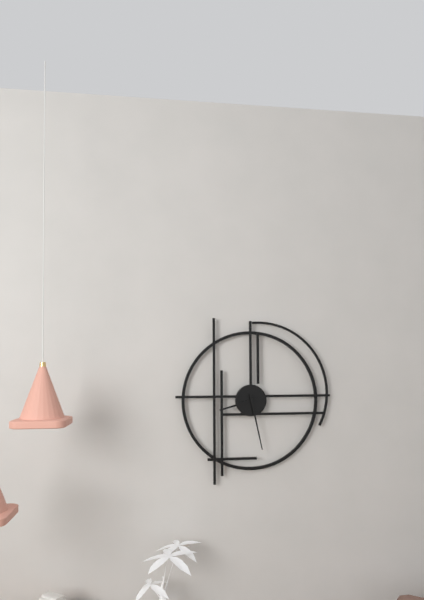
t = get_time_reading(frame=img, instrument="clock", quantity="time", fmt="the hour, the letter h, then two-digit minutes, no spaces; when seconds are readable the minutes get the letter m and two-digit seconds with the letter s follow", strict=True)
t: 8h28
